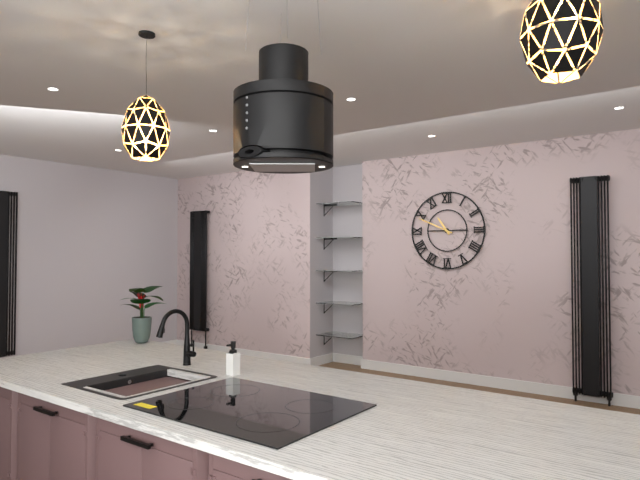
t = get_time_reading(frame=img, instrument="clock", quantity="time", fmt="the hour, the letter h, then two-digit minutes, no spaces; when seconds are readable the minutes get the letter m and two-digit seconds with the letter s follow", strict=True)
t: 10h49
